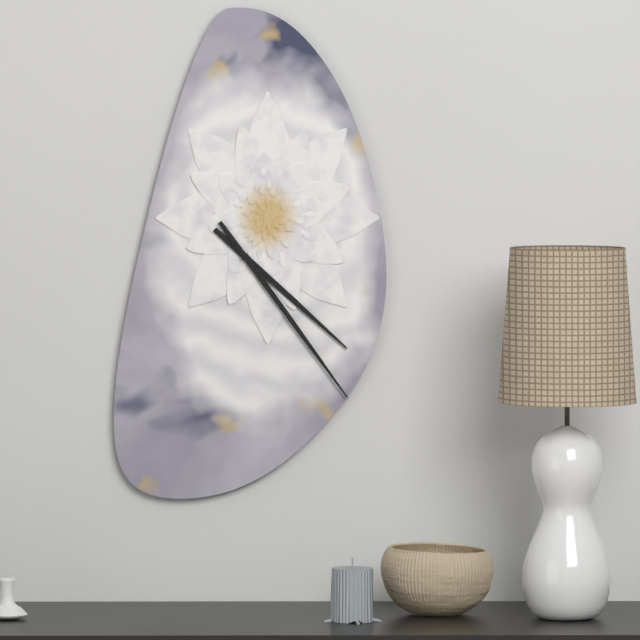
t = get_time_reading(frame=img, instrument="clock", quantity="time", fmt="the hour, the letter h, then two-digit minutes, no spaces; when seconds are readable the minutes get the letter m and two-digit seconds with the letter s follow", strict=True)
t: 4h24
